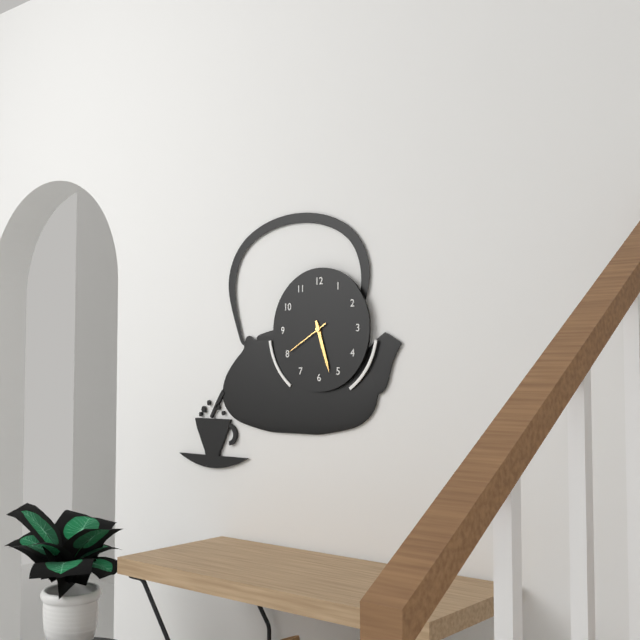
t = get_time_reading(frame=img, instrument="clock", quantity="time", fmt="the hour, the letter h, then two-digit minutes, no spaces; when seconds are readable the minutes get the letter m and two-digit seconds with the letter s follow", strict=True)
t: 5h27
